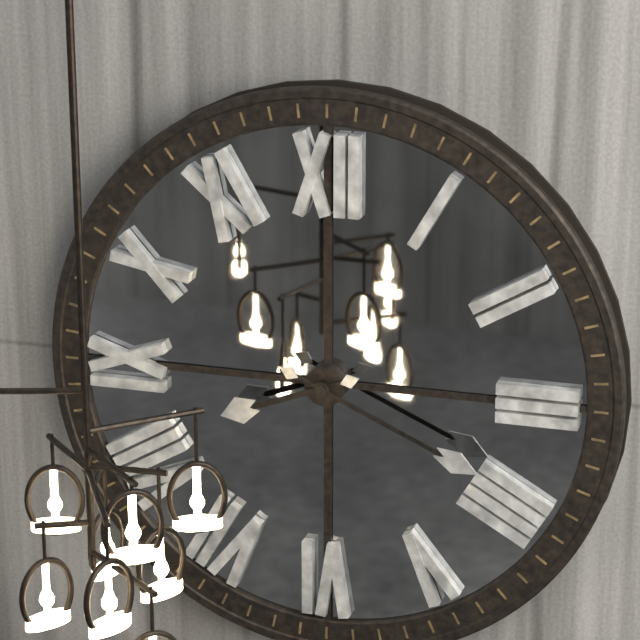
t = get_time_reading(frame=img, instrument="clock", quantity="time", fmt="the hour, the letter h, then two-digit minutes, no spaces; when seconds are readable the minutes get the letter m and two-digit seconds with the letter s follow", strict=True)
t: 8h19
